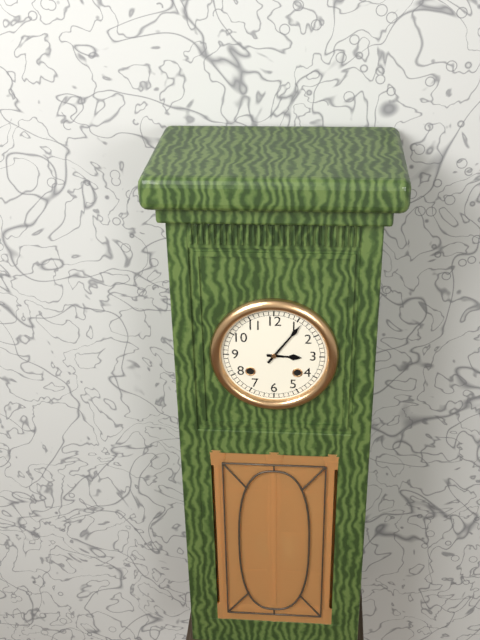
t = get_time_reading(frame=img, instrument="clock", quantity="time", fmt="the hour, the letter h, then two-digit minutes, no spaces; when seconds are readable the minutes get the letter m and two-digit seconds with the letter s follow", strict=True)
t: 3h06
